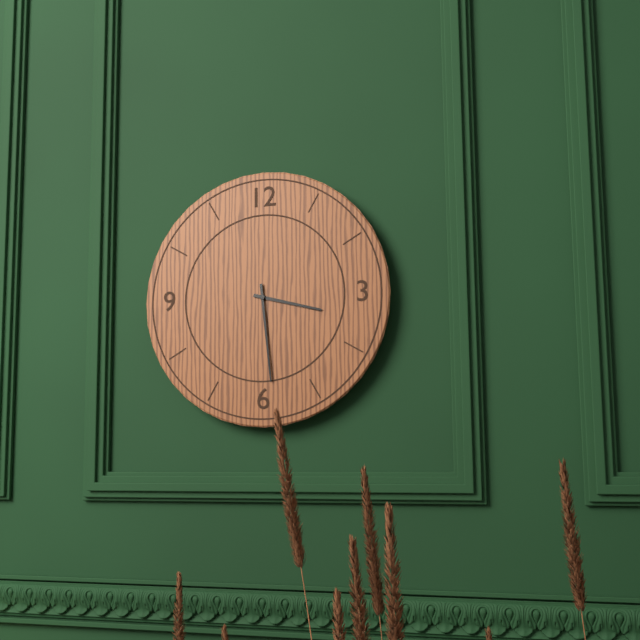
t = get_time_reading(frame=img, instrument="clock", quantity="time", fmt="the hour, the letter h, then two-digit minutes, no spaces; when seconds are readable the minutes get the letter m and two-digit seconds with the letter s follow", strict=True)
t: 3h29
